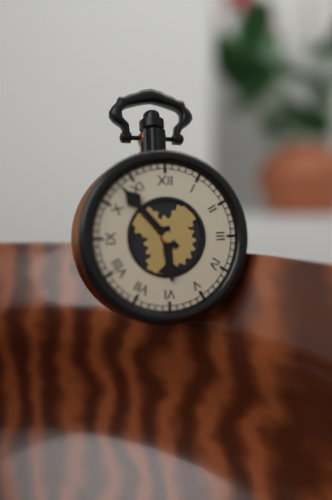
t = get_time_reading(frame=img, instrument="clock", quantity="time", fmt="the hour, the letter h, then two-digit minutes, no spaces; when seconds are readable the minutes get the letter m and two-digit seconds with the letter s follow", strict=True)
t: 5h53
